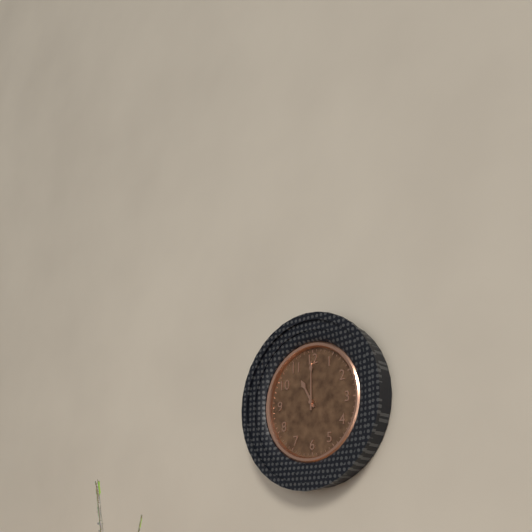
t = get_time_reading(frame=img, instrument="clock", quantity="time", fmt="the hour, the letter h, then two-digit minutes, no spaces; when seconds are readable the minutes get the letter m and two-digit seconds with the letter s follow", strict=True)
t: 11h00
